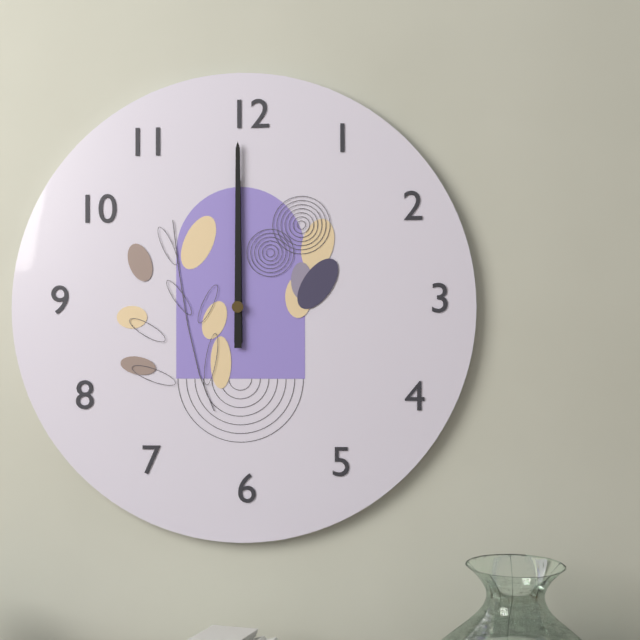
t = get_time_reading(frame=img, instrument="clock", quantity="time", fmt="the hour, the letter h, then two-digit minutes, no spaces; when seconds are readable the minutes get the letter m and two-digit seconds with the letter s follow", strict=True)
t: 12h00
